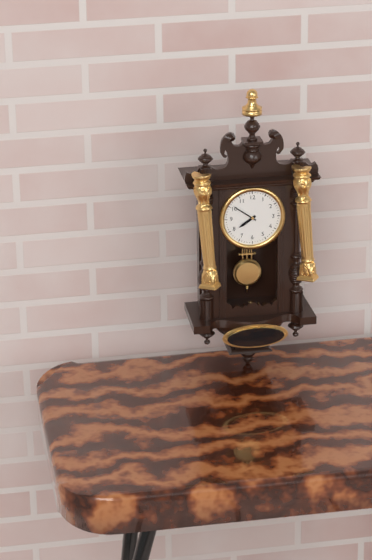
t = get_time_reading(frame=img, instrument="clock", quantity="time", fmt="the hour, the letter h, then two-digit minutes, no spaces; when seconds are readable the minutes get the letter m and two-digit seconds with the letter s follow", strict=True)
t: 7h51
